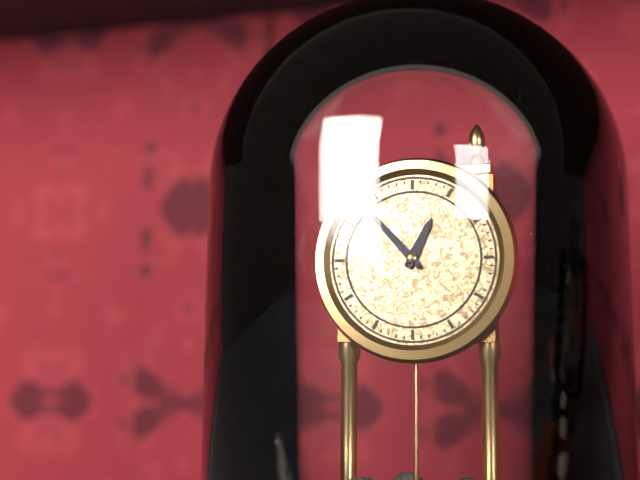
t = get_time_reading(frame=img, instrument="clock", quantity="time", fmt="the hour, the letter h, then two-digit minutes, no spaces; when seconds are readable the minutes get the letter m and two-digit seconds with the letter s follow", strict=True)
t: 12h53
